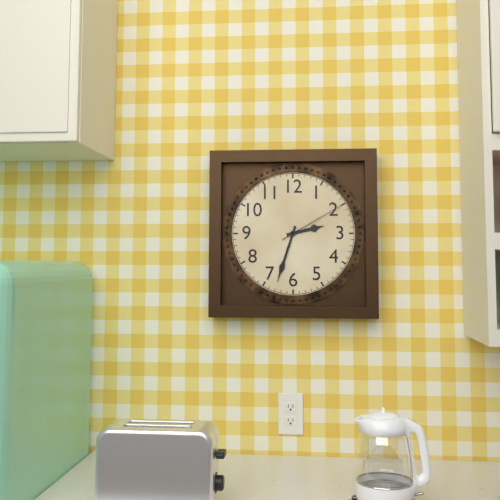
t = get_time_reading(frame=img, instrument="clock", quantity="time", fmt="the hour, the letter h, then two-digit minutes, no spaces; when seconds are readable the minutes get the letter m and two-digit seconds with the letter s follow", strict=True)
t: 2h33m10s
